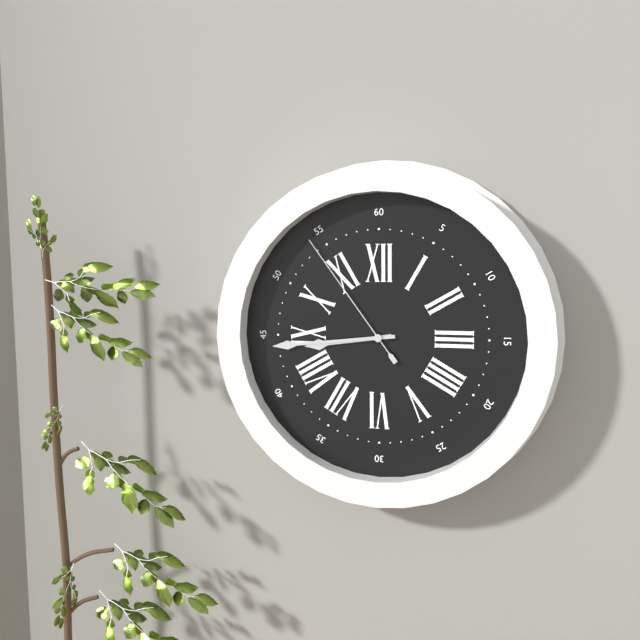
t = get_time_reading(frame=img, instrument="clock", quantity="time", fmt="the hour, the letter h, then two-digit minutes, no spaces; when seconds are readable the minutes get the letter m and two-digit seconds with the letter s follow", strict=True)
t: 8h44m54s
